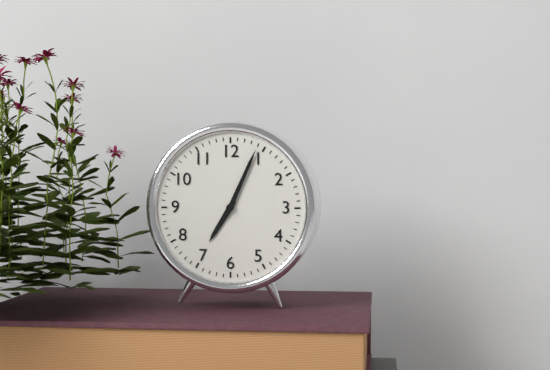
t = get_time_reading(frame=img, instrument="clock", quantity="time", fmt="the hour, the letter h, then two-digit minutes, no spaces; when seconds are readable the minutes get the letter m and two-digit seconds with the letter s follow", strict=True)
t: 7h04
